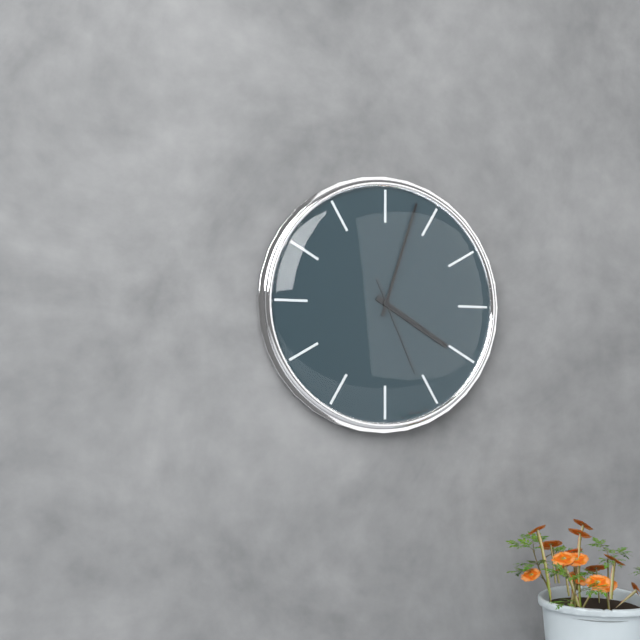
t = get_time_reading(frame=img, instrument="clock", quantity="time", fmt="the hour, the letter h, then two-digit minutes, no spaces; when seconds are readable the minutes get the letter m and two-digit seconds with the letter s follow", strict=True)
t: 4h03m26s
